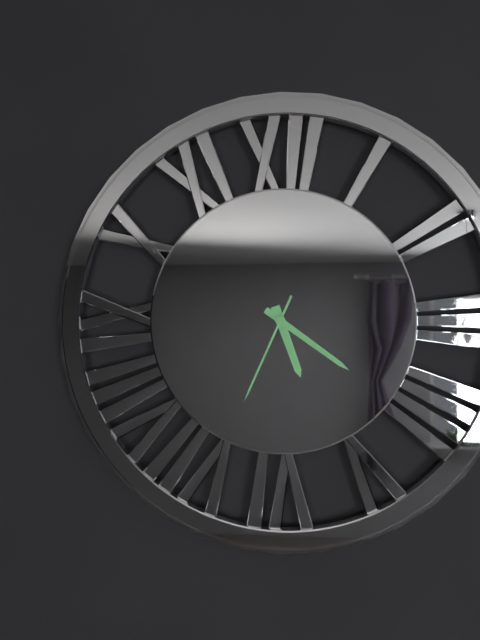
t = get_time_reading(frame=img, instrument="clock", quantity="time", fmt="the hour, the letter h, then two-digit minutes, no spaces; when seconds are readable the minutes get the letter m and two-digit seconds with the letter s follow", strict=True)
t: 5h21m34s
